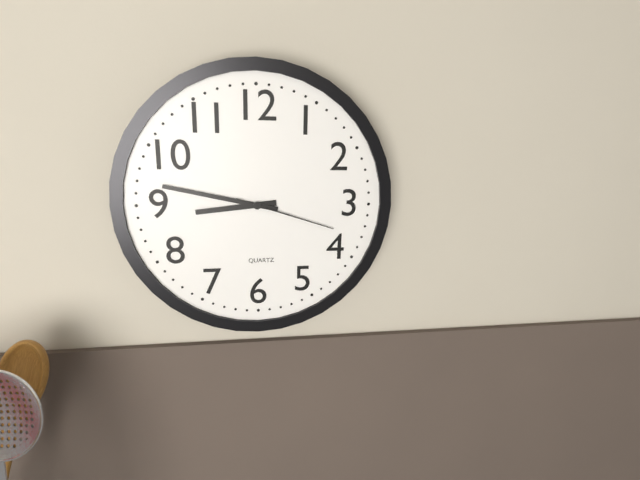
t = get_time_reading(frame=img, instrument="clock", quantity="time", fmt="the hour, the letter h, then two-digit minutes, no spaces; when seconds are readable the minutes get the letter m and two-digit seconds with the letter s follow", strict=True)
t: 8h47m18s
